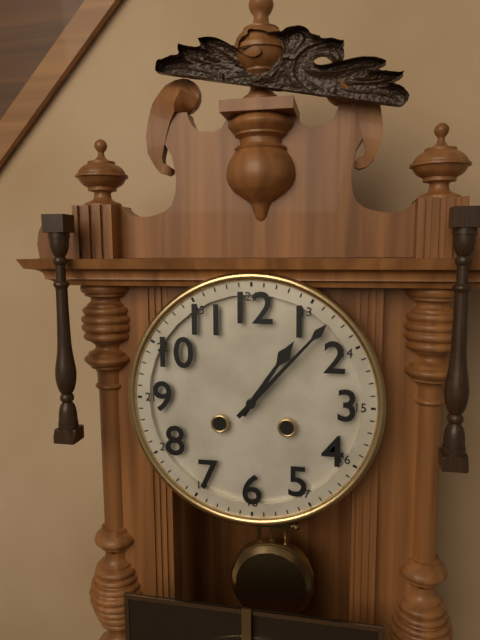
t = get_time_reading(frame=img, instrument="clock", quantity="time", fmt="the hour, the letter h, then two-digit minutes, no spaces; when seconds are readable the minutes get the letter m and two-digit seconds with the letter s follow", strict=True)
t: 1h07
